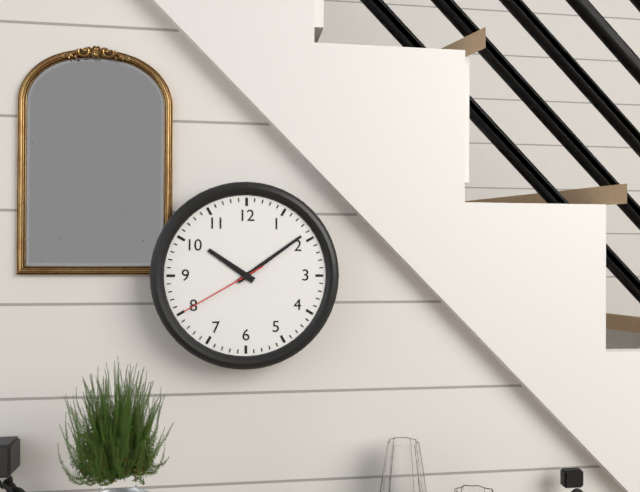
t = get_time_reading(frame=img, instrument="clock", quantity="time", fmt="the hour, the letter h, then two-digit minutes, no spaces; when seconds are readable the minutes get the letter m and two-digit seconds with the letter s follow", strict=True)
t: 10h09m40s
